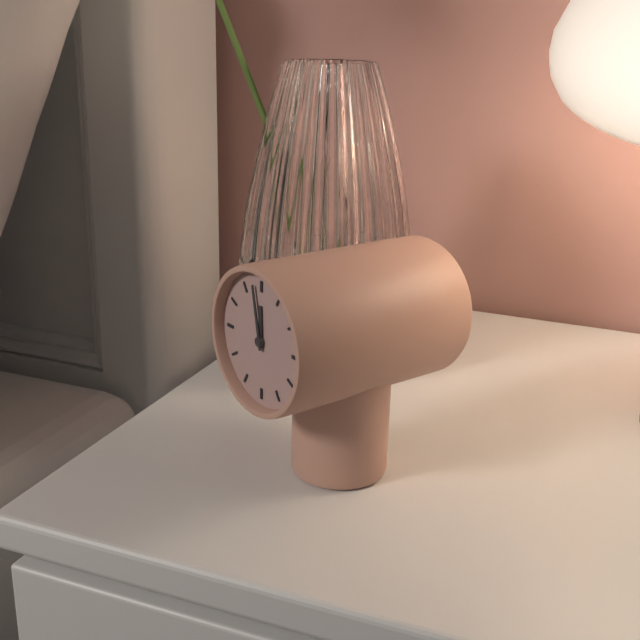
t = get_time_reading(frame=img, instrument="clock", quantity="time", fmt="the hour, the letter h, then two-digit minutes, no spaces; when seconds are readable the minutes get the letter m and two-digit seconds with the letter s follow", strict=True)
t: 11h58
